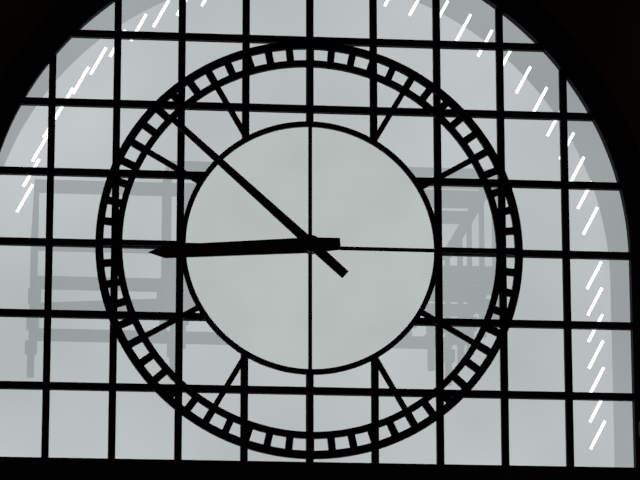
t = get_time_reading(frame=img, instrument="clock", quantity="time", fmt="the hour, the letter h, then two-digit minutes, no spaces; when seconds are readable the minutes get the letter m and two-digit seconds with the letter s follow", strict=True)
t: 8h52
